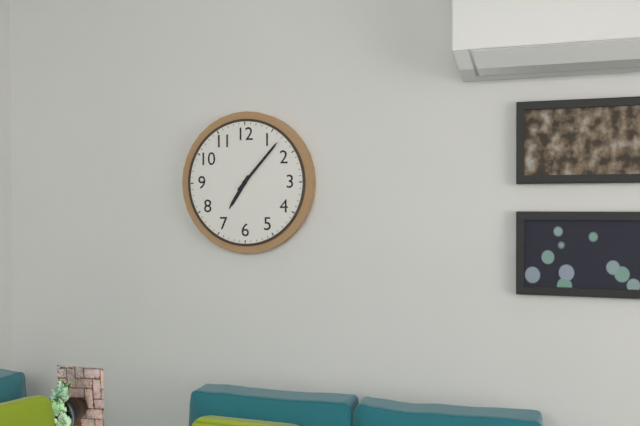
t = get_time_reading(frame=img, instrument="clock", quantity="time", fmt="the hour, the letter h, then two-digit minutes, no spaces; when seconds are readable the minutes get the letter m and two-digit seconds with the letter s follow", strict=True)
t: 7h07
